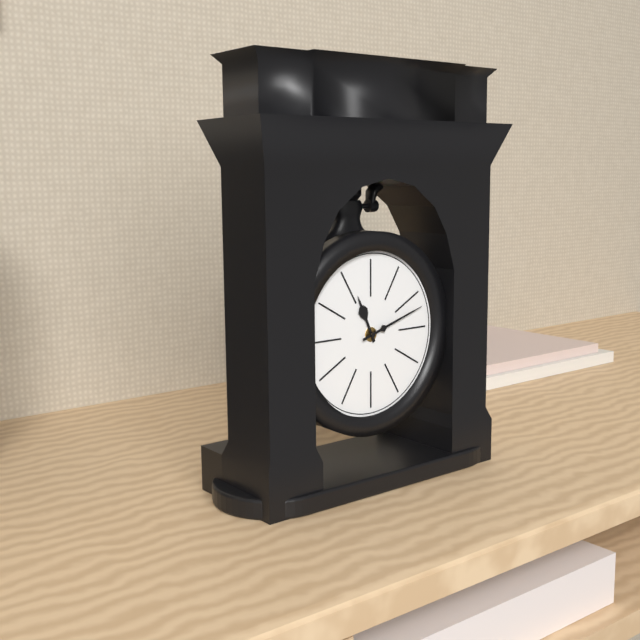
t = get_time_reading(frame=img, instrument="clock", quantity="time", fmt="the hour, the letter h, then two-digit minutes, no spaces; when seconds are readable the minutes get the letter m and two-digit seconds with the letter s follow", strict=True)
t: 11h12
